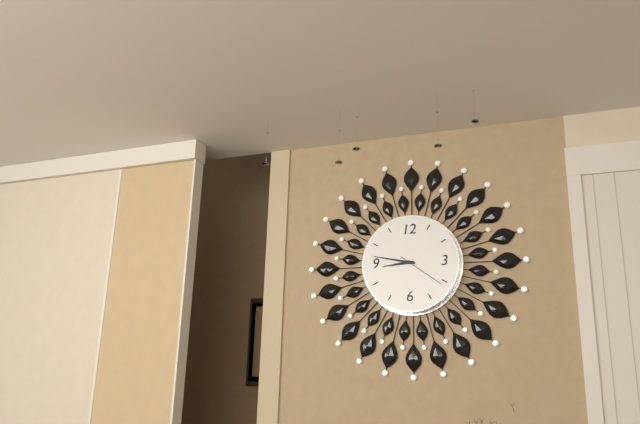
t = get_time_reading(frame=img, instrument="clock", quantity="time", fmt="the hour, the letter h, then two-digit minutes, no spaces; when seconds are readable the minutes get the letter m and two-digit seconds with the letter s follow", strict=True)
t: 8h47
